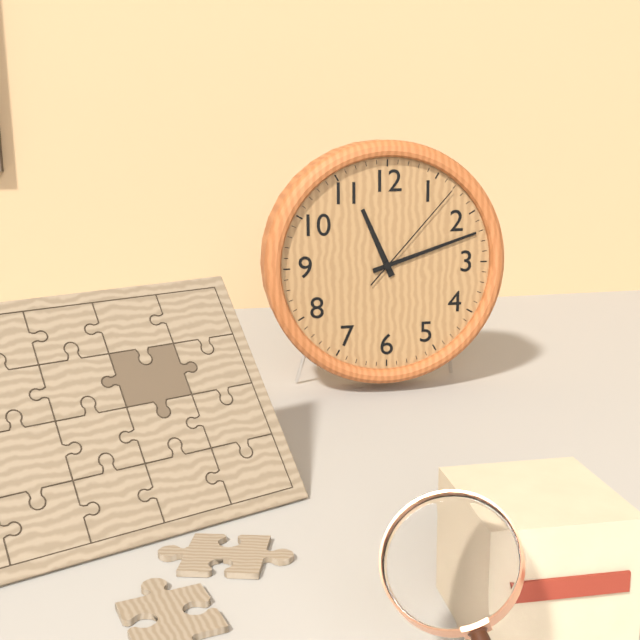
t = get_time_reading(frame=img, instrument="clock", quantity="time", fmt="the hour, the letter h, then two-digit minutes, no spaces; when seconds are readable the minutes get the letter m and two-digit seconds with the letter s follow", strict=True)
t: 11h12m07s
